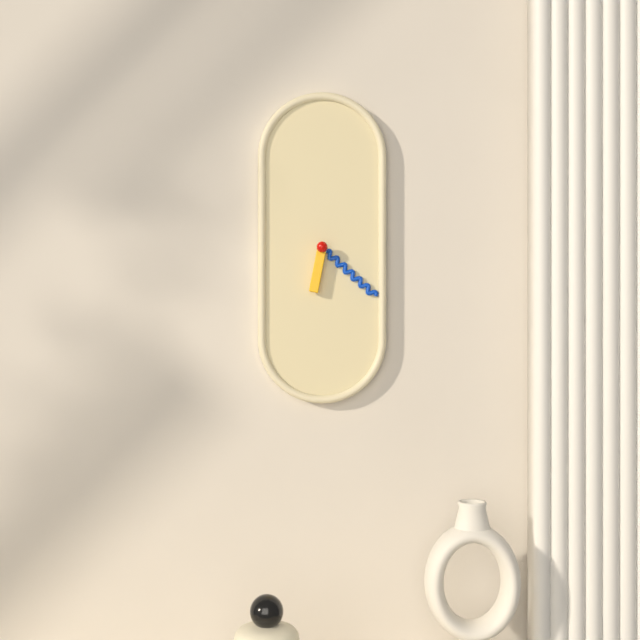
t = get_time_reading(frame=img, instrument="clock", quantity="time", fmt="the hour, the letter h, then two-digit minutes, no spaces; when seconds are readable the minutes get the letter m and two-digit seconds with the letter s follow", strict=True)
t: 6h22
